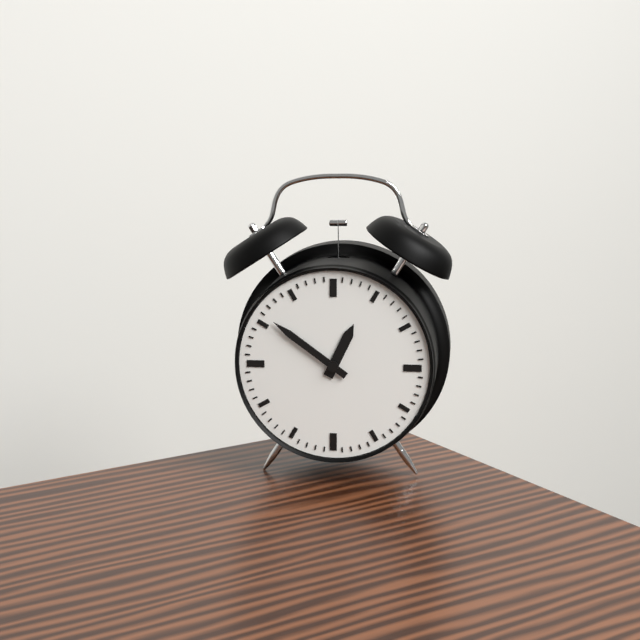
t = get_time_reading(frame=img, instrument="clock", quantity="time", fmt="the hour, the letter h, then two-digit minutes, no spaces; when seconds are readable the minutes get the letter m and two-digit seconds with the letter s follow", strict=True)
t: 12h51
